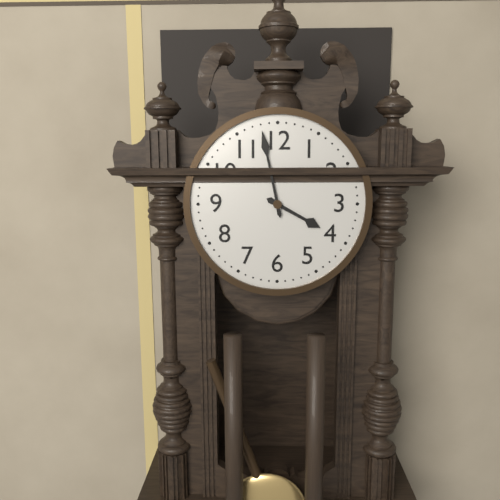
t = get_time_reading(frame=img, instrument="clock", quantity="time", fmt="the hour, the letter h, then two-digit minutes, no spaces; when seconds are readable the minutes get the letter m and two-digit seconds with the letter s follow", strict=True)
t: 3h58
